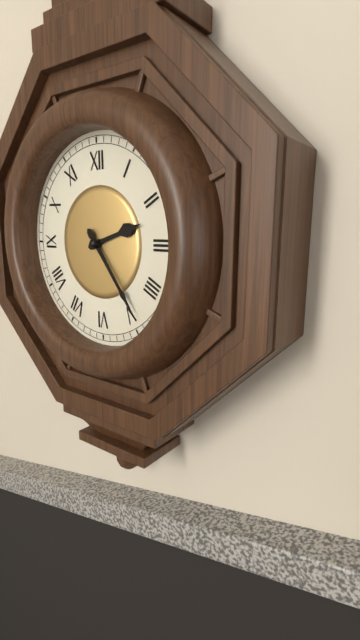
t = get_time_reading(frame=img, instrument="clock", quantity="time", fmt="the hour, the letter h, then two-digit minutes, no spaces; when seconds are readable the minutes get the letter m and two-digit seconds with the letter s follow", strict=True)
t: 2h24
